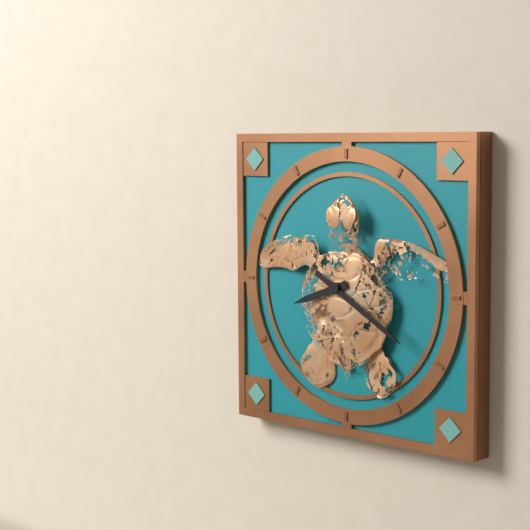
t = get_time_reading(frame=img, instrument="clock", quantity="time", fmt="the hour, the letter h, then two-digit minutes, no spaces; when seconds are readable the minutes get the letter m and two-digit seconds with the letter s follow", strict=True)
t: 8h20
